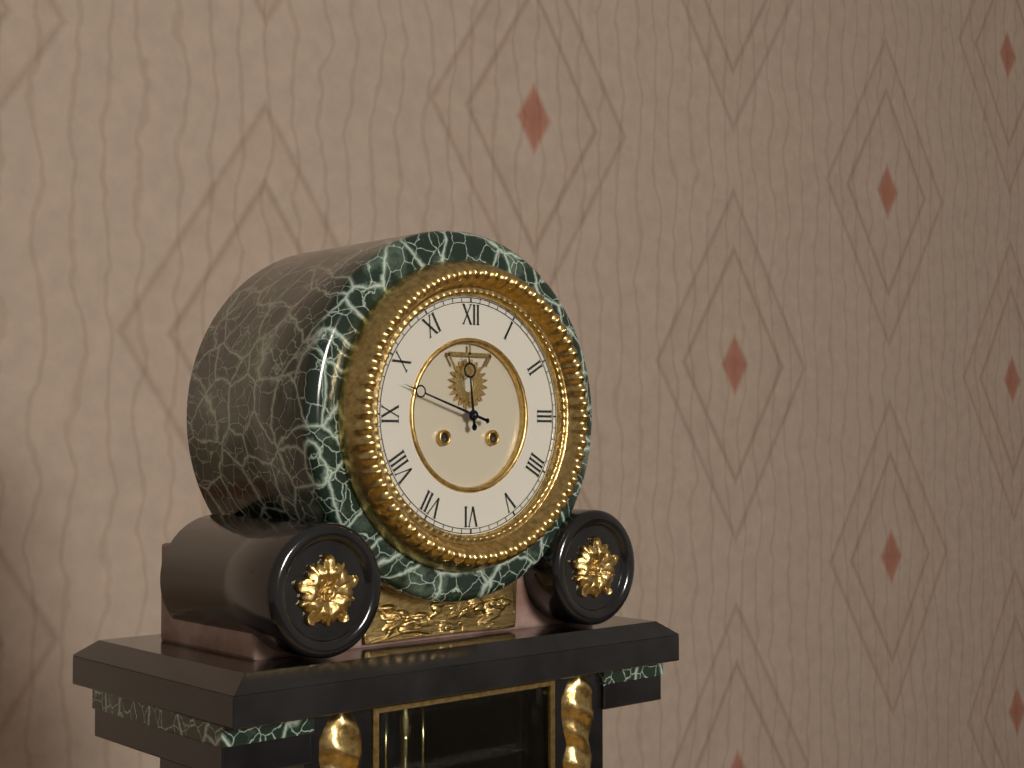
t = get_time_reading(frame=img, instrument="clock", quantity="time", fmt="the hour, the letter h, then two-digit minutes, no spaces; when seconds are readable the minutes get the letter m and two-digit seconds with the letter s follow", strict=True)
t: 11h48
